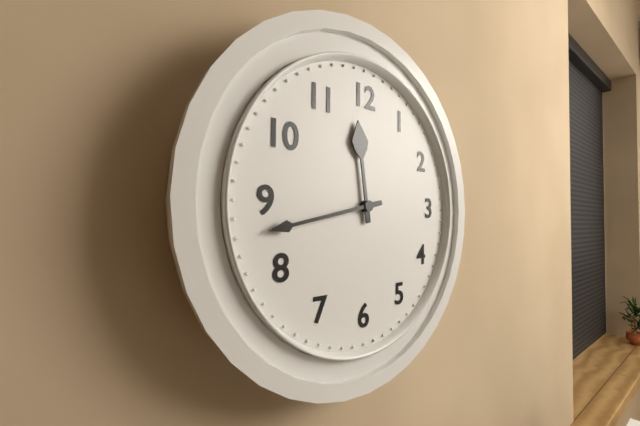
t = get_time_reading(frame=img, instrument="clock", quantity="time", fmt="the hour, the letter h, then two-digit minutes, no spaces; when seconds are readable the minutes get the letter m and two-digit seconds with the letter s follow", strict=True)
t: 11h43
